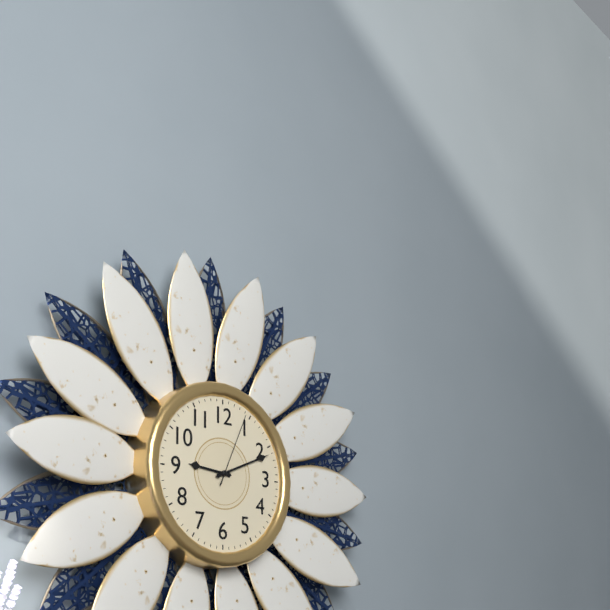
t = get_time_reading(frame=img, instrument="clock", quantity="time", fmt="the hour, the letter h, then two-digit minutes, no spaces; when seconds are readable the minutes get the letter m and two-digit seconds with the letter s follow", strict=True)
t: 9h11m04s
